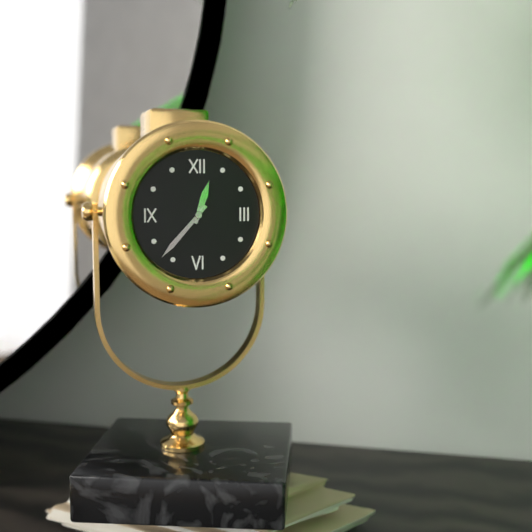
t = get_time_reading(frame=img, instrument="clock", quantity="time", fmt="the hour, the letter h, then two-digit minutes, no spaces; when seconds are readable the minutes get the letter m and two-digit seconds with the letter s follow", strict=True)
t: 12h37
